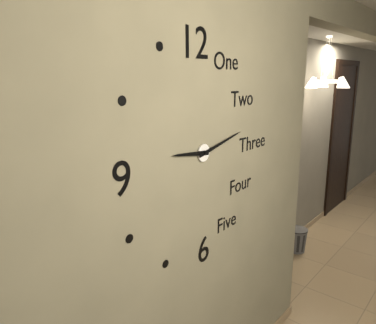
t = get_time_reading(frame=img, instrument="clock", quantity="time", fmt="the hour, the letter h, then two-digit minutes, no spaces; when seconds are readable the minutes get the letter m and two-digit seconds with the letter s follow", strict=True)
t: 9h13
